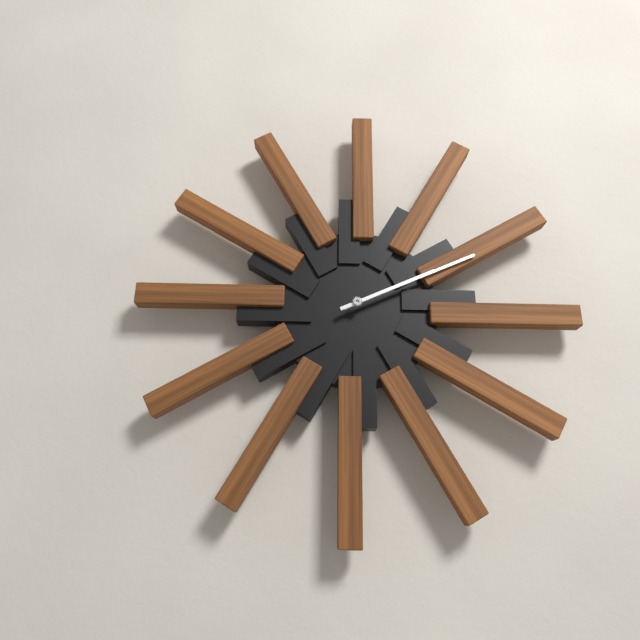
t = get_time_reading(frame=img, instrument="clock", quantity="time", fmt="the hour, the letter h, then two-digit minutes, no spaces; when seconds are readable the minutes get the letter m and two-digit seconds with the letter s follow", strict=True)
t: 2h11
